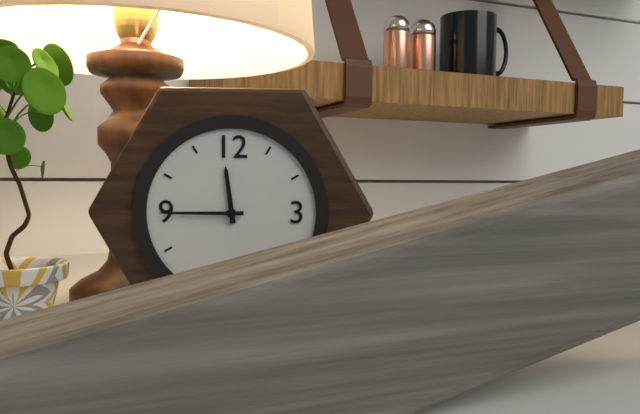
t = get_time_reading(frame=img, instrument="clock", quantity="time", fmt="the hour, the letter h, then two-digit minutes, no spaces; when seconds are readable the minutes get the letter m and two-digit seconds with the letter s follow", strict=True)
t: 11h45
